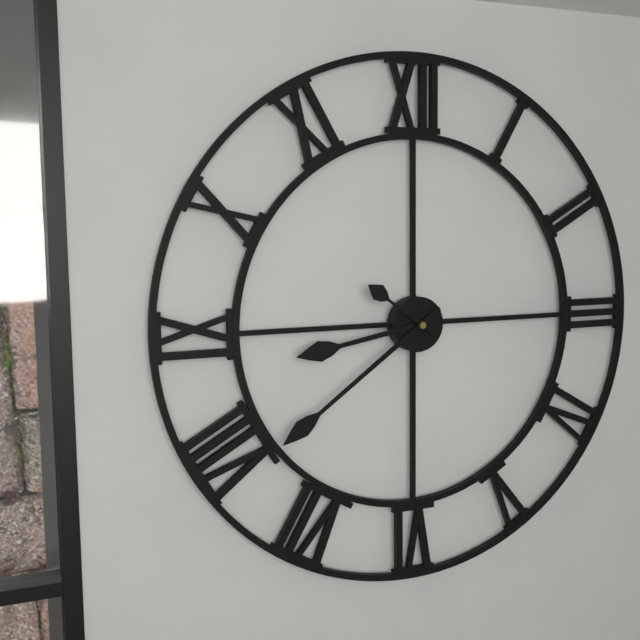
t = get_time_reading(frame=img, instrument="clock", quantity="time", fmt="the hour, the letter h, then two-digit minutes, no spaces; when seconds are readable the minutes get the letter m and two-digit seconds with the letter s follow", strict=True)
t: 8h39m51s
